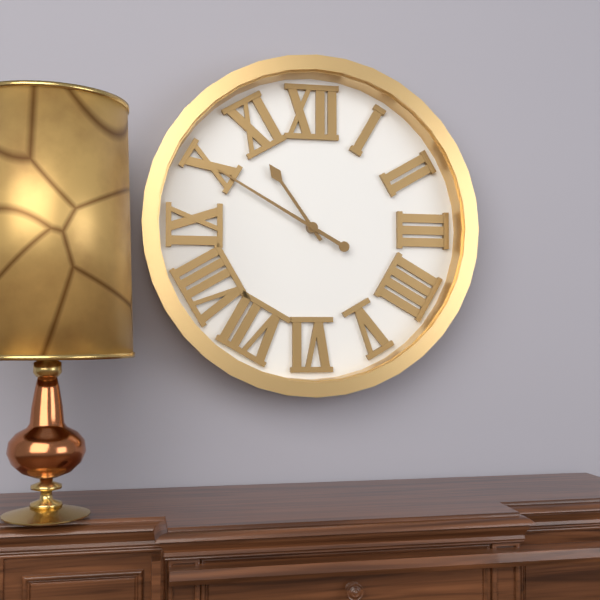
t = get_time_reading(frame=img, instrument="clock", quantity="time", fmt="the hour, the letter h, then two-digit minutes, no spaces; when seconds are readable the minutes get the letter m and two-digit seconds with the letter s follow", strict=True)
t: 10h50
